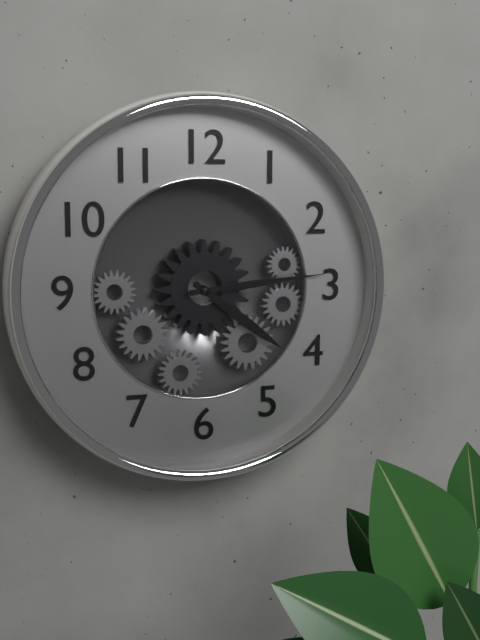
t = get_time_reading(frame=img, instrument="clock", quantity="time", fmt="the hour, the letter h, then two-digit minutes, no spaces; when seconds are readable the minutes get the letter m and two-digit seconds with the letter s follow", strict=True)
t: 4h14
